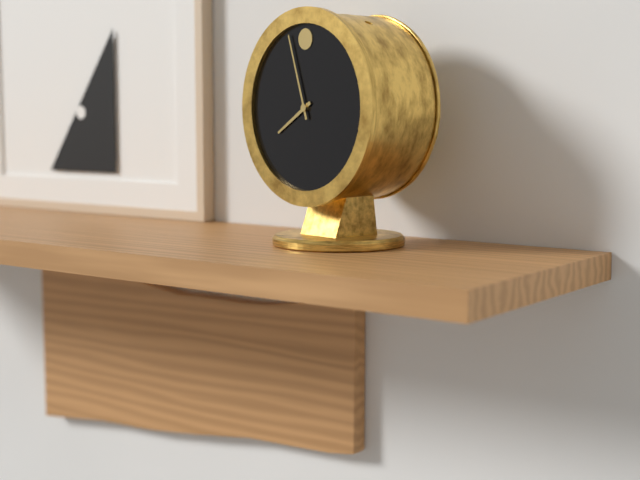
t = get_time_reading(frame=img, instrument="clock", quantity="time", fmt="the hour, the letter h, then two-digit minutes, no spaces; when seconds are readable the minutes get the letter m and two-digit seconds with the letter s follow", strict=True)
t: 7h57
